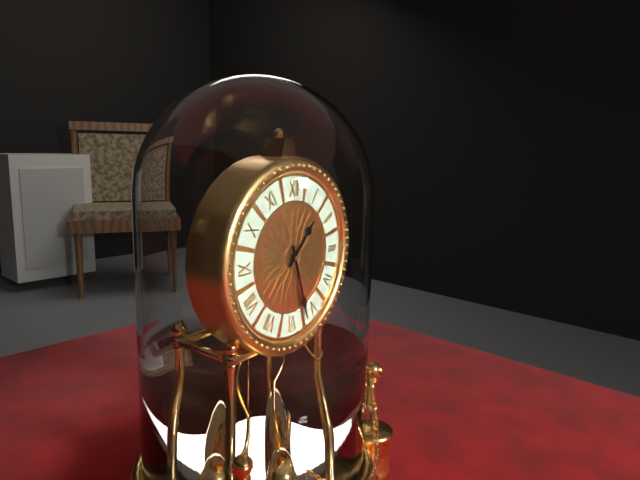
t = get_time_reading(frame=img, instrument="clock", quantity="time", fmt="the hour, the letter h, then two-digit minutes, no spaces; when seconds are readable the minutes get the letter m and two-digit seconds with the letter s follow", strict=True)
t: 1h27
